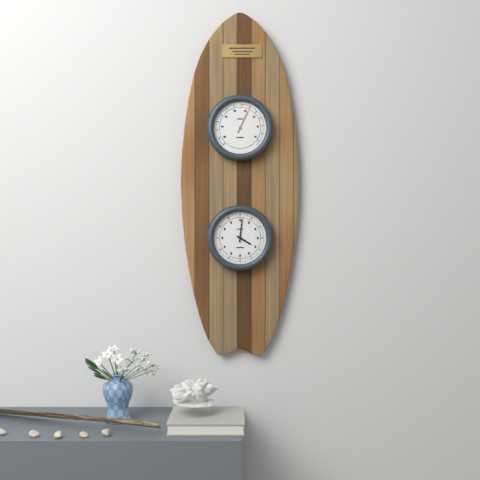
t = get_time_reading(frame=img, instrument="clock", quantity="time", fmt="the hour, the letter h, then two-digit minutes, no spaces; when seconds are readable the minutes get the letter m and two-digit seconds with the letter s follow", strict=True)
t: 4h01
